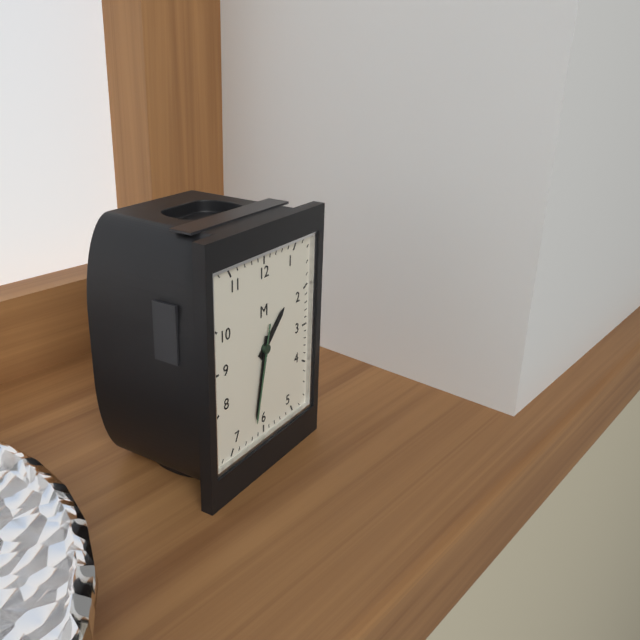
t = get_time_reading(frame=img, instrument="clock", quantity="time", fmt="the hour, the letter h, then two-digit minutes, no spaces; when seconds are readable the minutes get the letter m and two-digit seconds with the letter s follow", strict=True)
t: 1h32m32s
